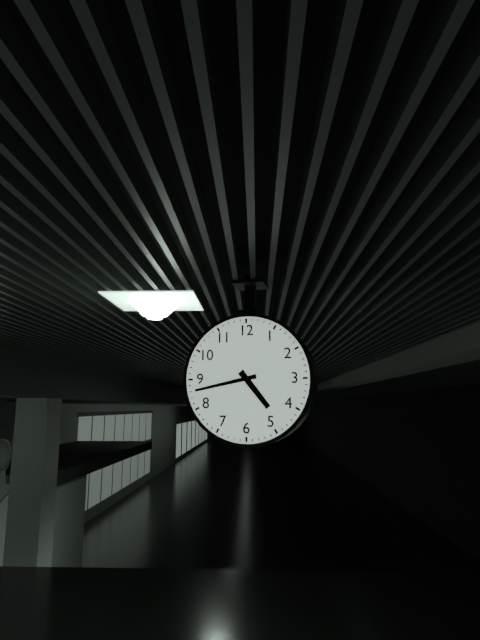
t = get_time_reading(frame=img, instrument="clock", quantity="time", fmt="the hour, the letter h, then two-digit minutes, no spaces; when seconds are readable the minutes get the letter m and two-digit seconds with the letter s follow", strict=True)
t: 4h43
